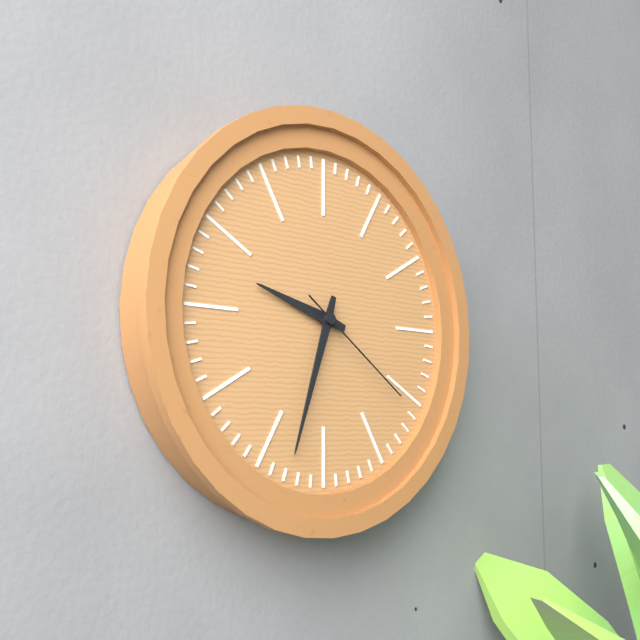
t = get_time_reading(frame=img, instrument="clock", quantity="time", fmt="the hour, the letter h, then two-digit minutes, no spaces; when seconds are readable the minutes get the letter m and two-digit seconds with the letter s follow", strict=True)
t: 9h33m21s
